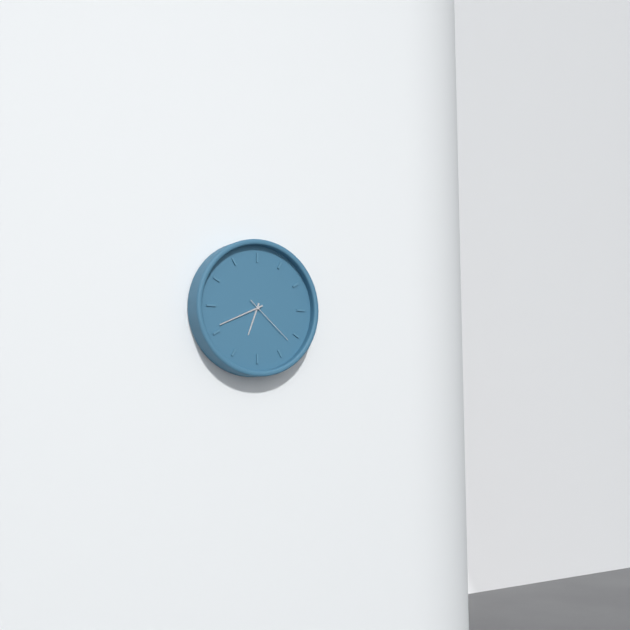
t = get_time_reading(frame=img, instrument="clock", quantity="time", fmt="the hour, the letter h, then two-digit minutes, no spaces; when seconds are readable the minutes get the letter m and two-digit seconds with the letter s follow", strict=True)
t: 6h41m22s
